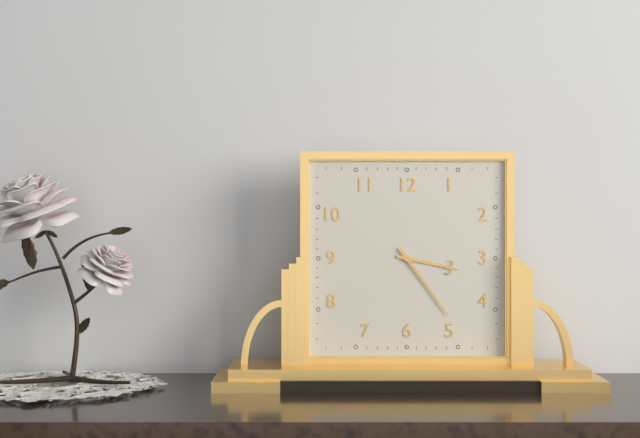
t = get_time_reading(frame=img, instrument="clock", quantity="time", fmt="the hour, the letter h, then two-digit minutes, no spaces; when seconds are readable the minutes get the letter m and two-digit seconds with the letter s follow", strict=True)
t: 3h24
